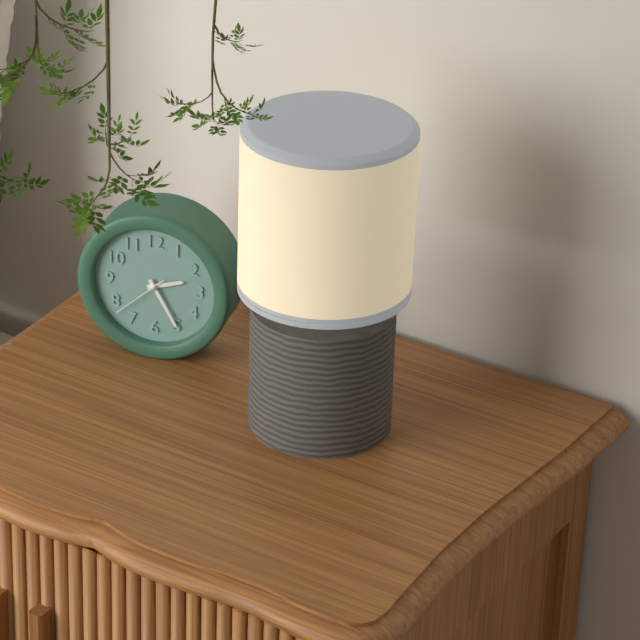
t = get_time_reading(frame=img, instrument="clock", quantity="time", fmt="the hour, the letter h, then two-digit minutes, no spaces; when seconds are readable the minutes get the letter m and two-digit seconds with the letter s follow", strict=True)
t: 2h25m38s
